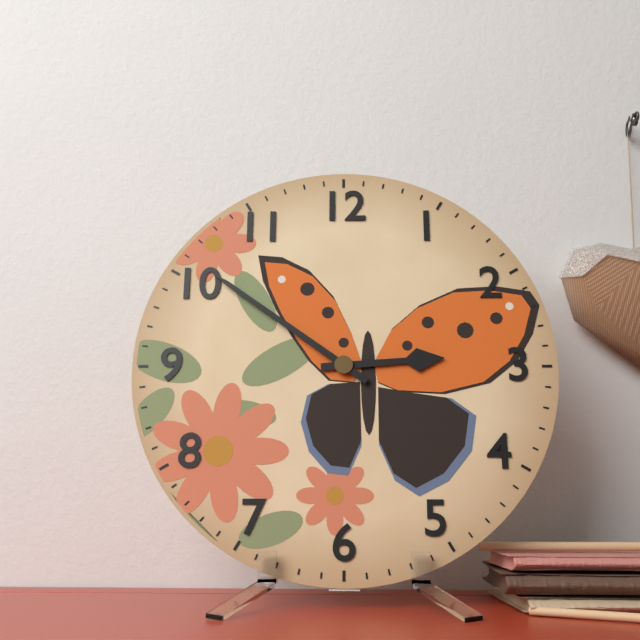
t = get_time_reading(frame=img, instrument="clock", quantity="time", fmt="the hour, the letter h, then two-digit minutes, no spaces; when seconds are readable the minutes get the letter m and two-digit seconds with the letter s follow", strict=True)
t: 2h51
